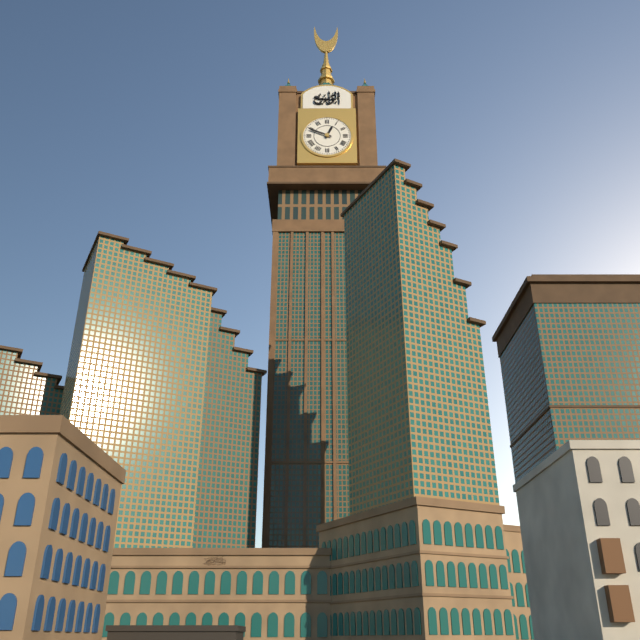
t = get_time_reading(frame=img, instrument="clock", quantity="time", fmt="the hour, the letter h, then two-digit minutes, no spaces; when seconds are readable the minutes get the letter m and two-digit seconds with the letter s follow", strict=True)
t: 12h49
